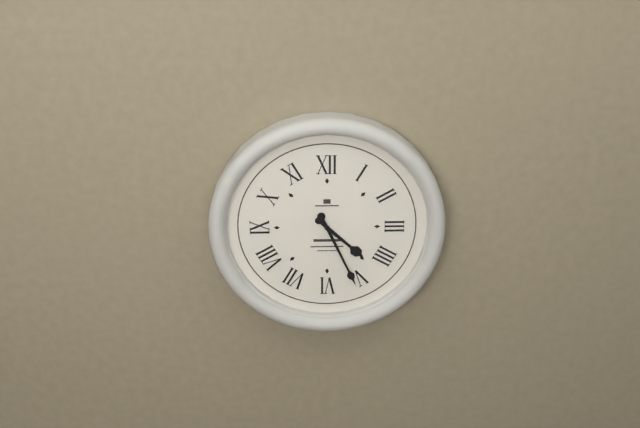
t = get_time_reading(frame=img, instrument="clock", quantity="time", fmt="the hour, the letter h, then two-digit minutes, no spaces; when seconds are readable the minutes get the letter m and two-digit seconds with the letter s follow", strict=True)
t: 4h26
